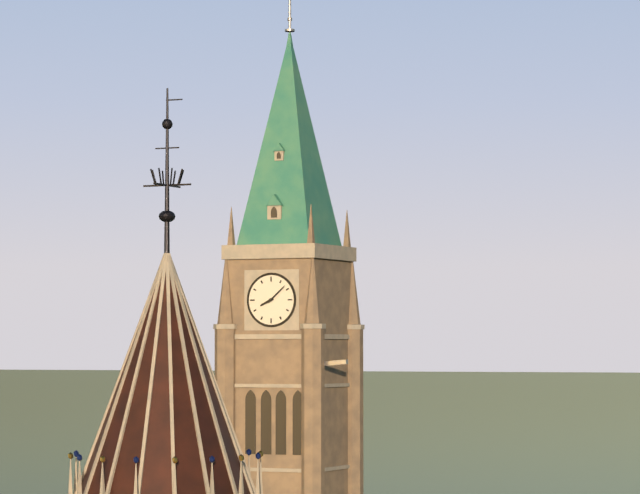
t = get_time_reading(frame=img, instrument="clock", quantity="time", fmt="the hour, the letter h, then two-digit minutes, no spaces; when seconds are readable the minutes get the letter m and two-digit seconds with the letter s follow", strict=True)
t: 8h08
